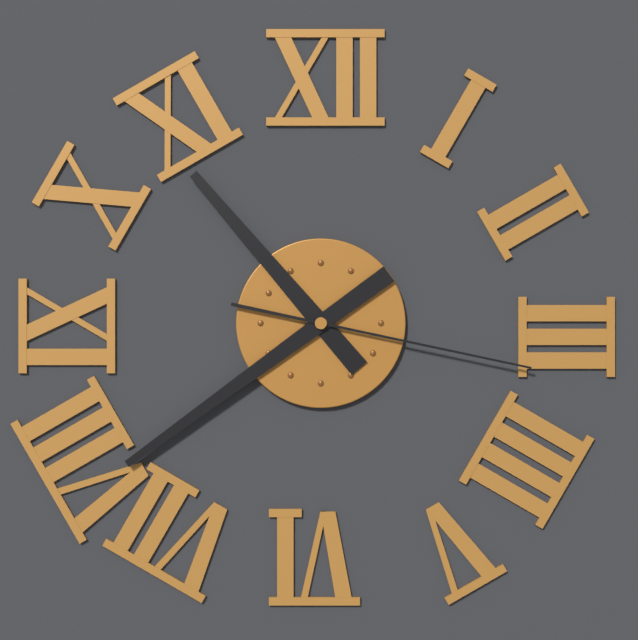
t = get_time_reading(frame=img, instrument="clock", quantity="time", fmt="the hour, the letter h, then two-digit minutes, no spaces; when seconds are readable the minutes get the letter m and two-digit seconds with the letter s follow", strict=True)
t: 10h39m17s
